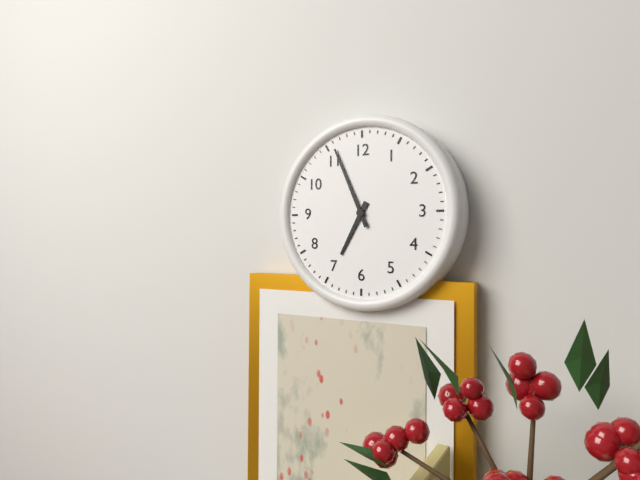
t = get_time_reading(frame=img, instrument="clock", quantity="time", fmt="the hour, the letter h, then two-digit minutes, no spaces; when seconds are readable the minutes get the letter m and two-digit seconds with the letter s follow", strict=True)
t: 6h56
